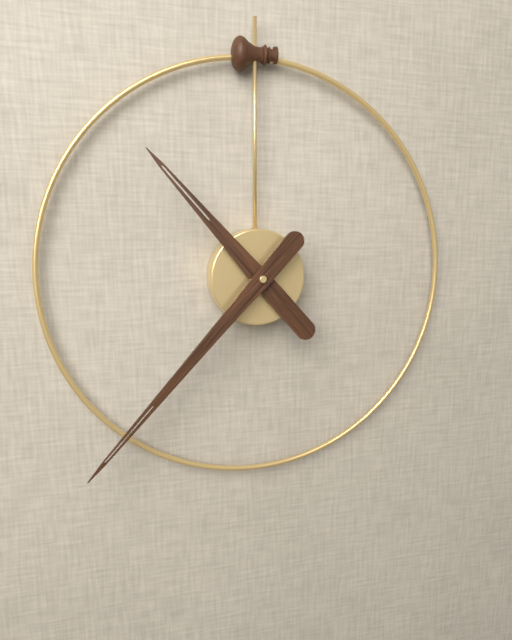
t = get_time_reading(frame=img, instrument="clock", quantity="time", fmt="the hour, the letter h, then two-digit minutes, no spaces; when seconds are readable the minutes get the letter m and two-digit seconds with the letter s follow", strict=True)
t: 10h37
